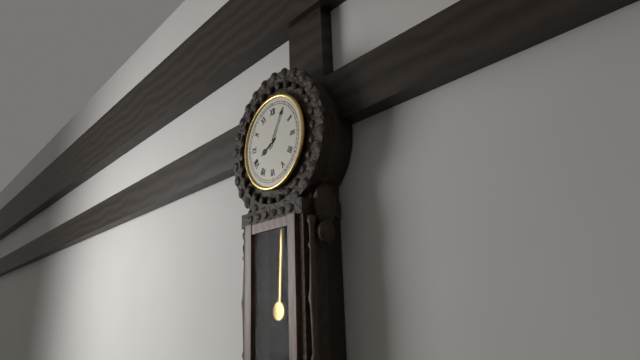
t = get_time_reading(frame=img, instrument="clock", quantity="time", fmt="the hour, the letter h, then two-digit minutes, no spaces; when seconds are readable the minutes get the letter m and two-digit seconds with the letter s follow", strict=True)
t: 8h05
